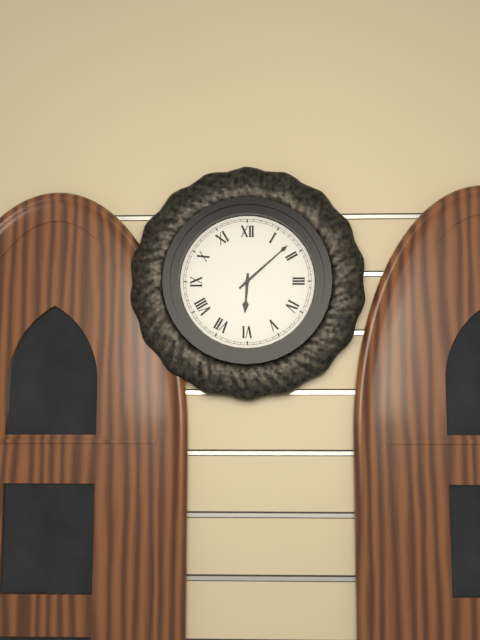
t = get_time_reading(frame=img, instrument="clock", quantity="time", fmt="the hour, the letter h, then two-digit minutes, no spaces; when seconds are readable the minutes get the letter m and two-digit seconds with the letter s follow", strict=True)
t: 6h08
